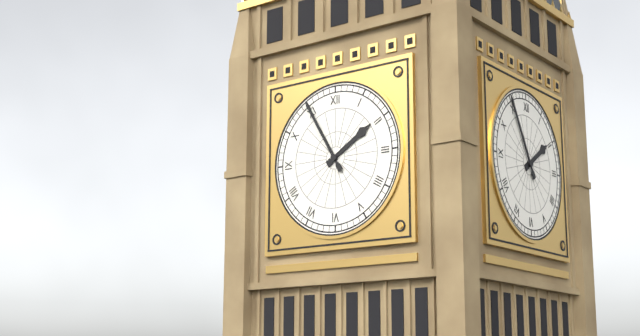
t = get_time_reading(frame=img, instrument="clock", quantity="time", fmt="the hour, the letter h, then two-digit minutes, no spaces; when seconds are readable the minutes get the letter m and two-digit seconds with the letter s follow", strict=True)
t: 1h55
